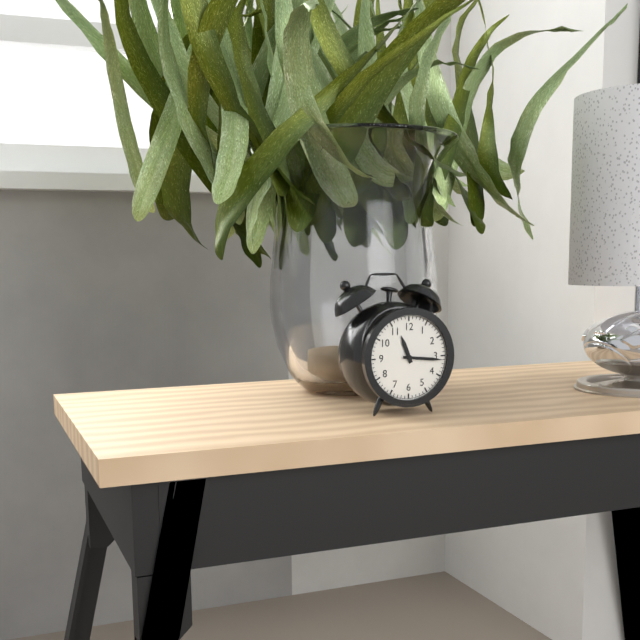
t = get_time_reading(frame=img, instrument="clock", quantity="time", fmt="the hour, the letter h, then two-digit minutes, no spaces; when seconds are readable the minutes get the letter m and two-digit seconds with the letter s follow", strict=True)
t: 11h16
